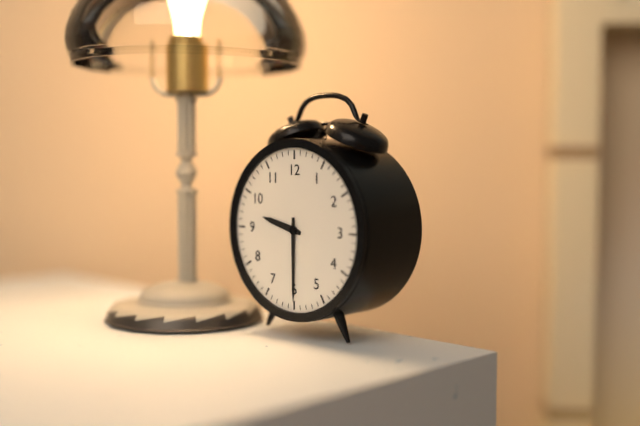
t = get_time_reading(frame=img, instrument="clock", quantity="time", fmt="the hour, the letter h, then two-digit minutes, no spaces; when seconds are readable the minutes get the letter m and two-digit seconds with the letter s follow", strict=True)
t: 9h30
